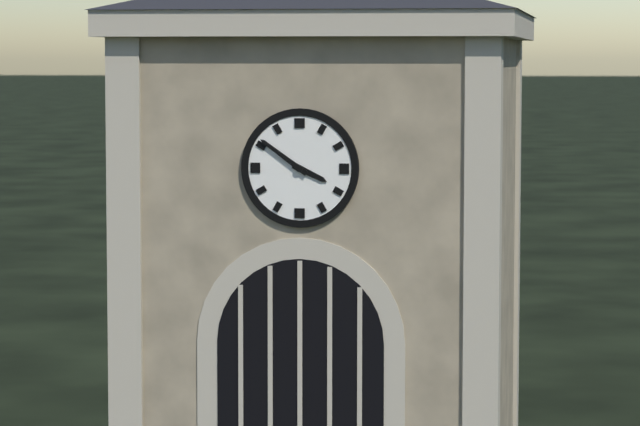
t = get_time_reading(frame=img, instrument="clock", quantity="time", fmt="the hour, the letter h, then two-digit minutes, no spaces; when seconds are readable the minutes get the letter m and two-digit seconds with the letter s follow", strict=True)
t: 3h51
